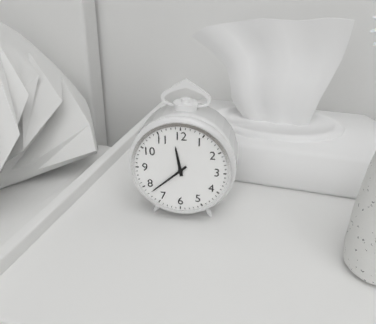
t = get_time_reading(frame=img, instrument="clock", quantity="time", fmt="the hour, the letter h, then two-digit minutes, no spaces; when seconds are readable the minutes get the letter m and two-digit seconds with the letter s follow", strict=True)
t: 11h38
